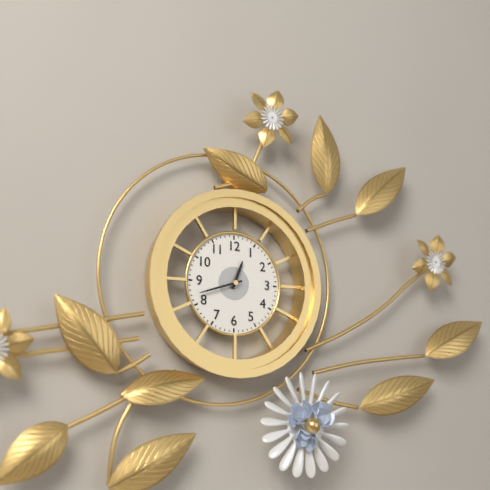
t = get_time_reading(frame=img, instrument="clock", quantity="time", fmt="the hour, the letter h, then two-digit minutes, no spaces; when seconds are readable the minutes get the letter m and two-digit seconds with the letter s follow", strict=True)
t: 12h42
